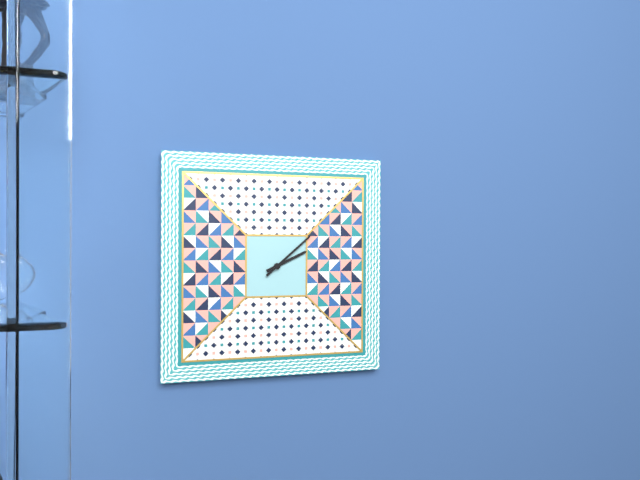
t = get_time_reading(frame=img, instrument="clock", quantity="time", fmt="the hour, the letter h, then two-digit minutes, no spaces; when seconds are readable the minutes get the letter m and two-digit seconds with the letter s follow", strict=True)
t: 2h08
